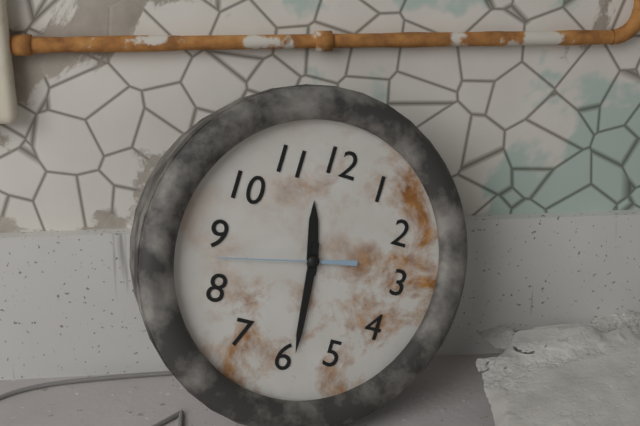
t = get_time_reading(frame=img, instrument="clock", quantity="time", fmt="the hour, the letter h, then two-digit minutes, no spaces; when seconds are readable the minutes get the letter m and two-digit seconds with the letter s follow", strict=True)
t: 11h29m43s
